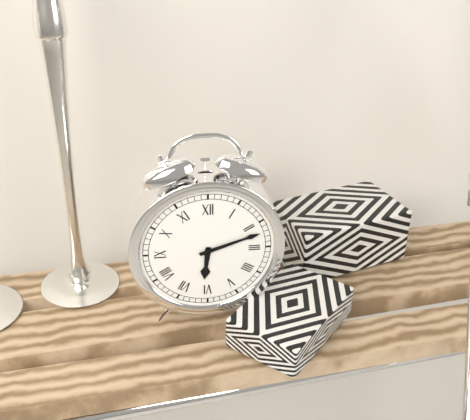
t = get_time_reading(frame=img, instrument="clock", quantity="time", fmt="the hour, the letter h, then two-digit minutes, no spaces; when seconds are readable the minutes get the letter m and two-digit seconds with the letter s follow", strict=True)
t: 6h12
